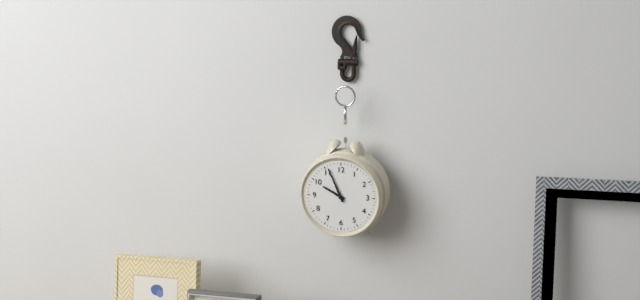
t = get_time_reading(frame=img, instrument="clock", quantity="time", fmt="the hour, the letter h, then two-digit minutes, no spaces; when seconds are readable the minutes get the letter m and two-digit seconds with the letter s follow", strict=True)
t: 9h56
